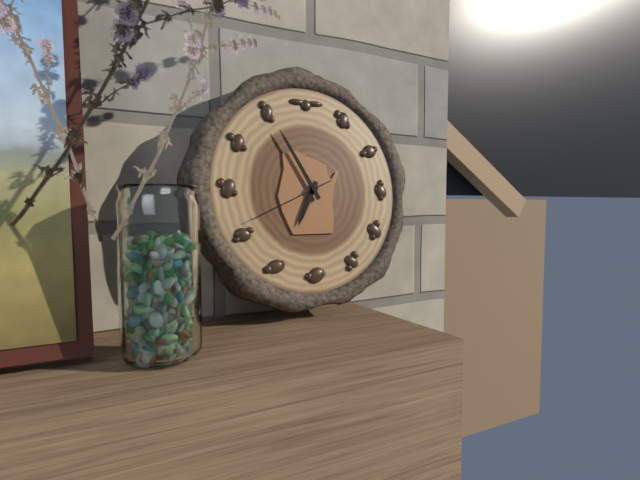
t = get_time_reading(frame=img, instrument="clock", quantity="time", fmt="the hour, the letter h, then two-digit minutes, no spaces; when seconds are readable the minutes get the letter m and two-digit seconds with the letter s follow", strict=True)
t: 6h55m41s
